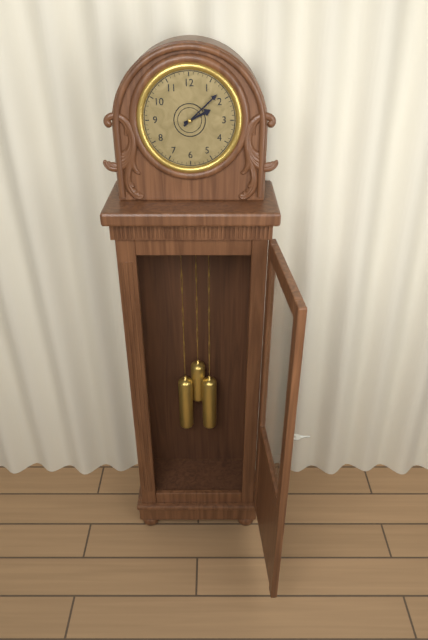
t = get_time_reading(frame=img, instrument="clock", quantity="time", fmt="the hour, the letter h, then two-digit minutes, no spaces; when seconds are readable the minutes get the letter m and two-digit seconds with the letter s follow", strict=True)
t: 2h08
